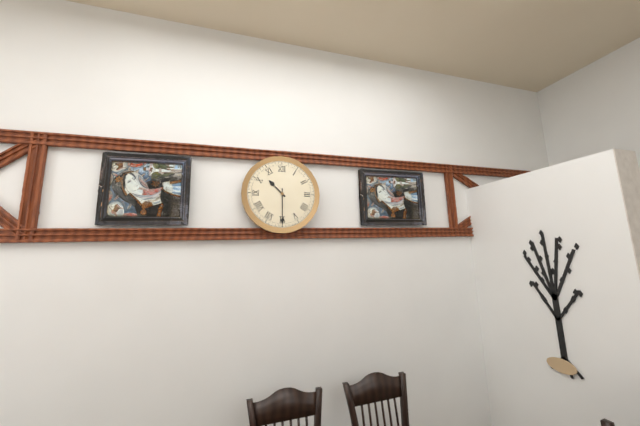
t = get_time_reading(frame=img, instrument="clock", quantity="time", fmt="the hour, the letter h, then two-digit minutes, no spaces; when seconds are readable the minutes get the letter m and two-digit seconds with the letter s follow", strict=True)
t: 10h30
